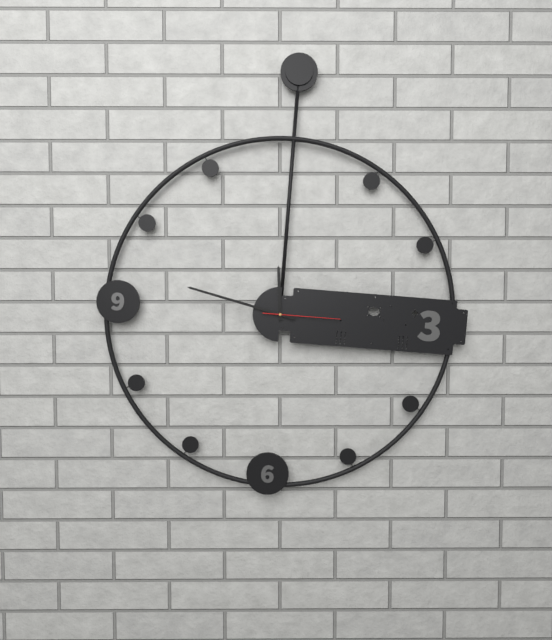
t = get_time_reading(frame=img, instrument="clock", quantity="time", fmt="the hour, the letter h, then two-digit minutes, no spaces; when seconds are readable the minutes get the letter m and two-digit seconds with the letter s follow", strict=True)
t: 11h47m15s
